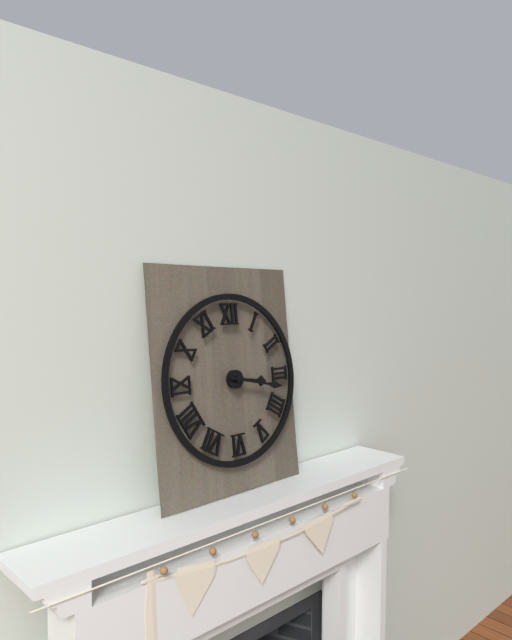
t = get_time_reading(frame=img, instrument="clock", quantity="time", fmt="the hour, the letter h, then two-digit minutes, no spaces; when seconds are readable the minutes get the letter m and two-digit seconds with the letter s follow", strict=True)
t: 3h17
